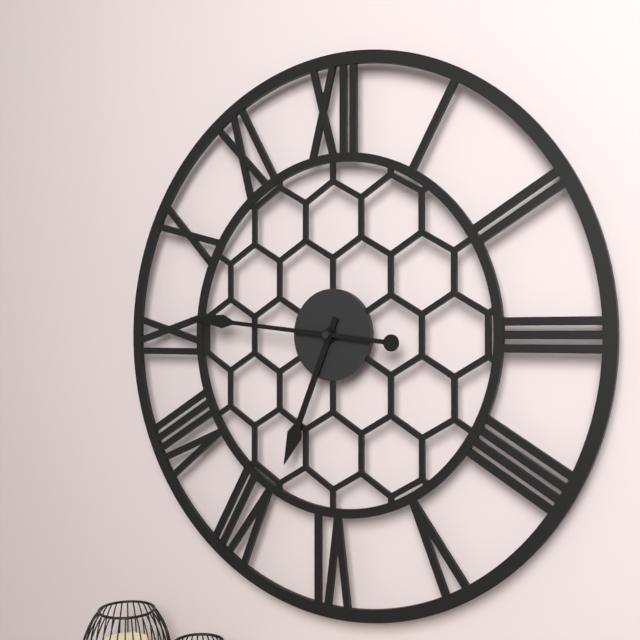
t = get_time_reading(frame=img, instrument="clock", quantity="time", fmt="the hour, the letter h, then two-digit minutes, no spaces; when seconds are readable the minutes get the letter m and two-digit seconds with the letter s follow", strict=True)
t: 6h46
